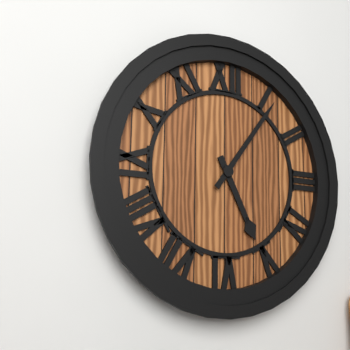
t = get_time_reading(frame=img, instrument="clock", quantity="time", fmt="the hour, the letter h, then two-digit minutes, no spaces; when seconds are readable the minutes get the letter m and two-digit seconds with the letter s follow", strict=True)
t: 5h06
